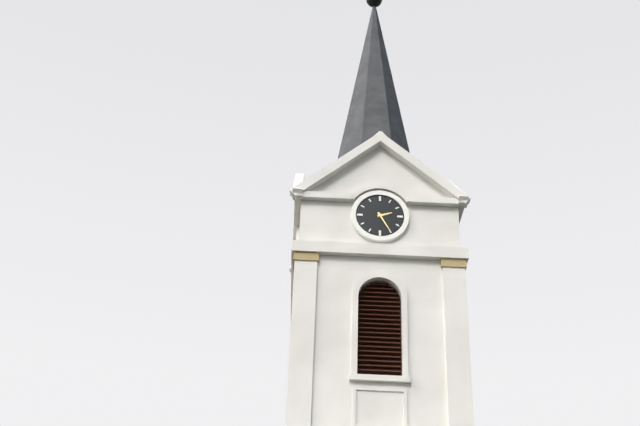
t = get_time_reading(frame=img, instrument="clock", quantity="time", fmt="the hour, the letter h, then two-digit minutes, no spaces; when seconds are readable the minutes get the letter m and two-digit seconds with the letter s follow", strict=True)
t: 2h25
